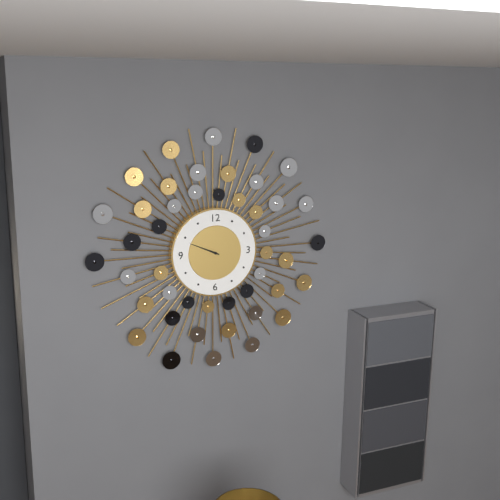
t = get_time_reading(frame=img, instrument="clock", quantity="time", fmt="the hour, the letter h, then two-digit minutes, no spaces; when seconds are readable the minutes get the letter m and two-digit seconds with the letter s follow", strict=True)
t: 9h49
